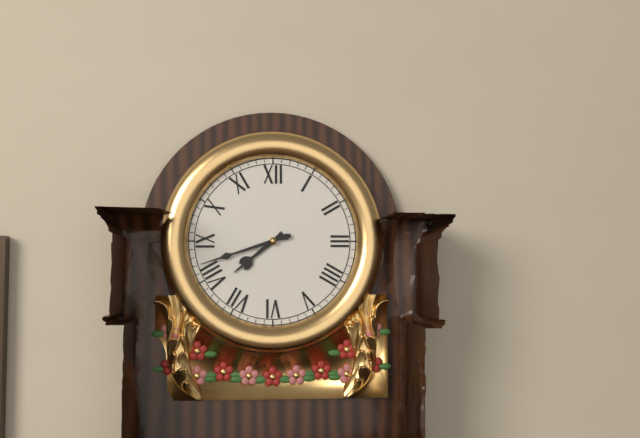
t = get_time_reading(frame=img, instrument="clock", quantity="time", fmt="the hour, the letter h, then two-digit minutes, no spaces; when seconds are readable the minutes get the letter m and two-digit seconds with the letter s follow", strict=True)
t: 7h42
